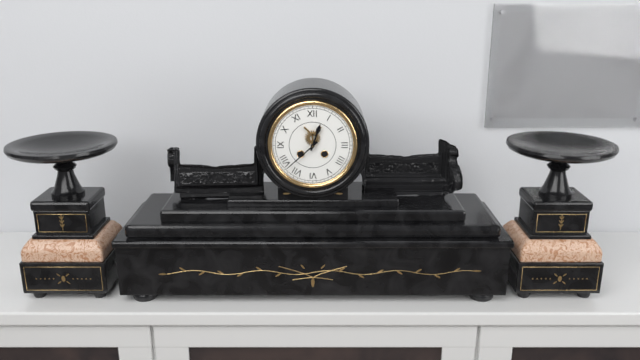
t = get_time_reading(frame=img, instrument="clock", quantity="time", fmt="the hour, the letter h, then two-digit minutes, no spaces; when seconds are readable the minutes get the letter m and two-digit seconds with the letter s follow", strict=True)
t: 12h38
